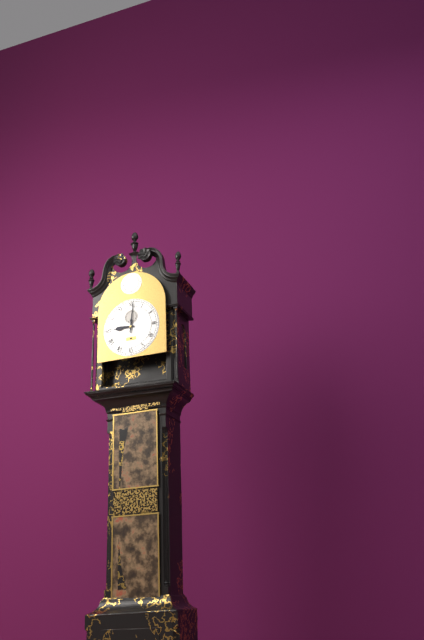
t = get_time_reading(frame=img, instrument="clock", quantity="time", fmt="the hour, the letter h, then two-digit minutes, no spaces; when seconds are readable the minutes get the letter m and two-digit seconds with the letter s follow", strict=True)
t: 9h01
